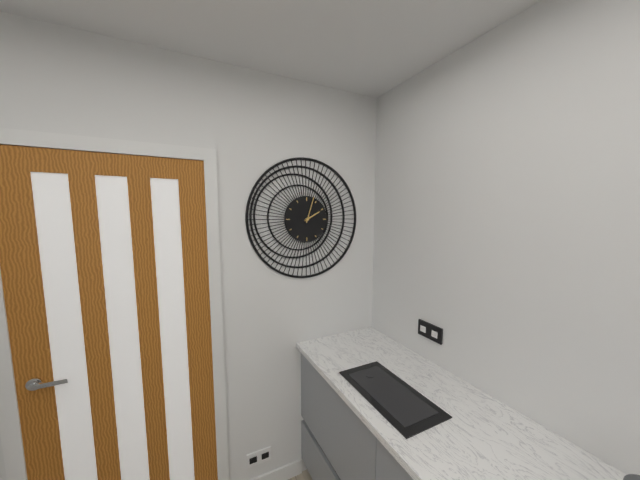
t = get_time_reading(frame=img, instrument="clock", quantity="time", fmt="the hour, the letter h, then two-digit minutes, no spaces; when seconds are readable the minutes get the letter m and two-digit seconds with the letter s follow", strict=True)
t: 2h03
